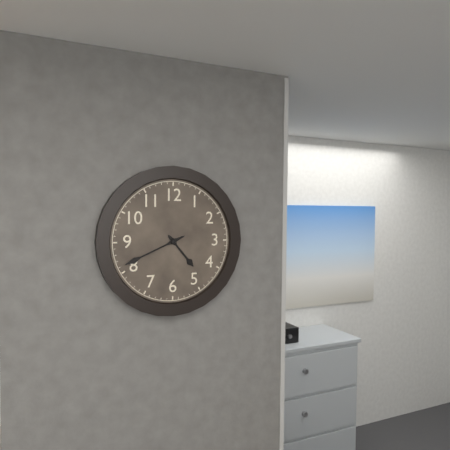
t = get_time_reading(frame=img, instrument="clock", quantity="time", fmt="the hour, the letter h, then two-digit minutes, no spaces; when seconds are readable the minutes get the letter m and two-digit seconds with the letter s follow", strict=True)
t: 4h41
